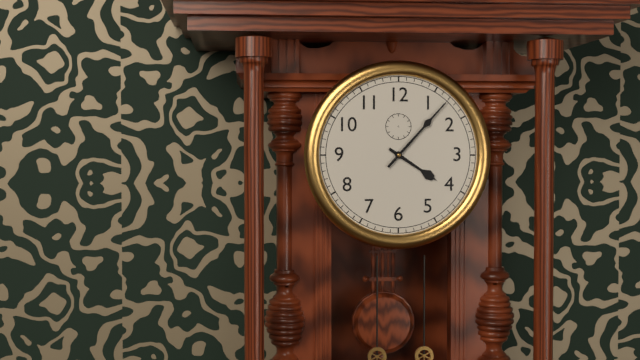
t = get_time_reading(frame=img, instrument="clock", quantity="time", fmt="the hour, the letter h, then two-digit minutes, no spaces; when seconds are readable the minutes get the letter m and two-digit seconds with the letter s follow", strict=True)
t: 4h07
